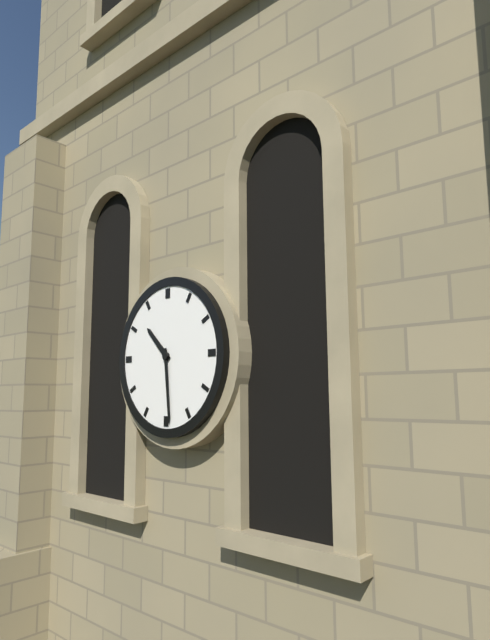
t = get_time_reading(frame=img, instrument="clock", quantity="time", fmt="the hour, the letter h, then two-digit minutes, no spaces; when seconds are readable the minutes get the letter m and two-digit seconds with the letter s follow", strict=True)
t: 10h29
